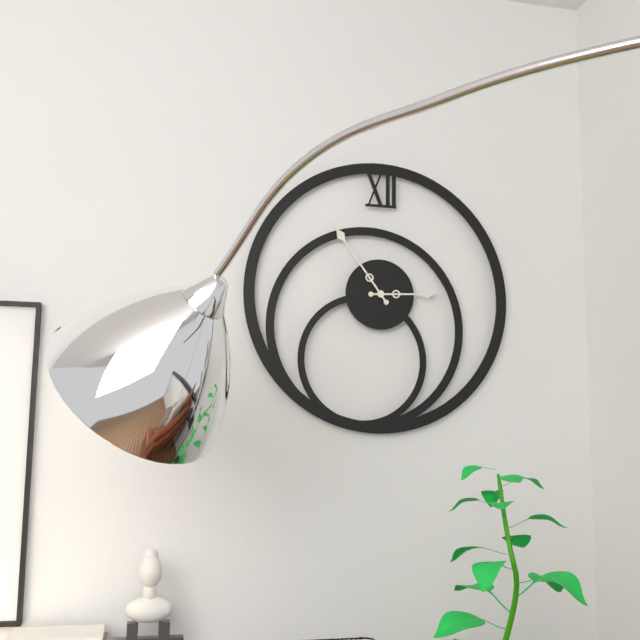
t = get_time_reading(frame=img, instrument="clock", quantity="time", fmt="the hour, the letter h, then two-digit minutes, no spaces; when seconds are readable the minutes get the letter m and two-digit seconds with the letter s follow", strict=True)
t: 2h54
